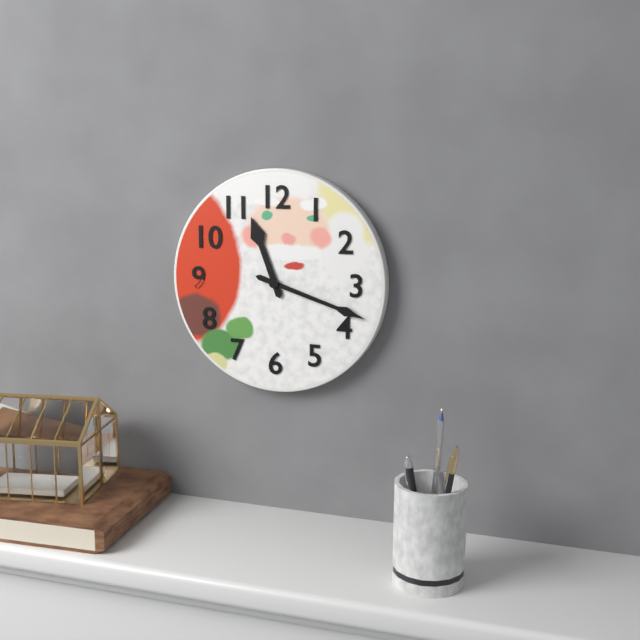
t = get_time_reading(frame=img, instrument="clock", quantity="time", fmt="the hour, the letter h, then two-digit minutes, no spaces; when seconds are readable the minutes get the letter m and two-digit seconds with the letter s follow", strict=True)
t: 11h18
